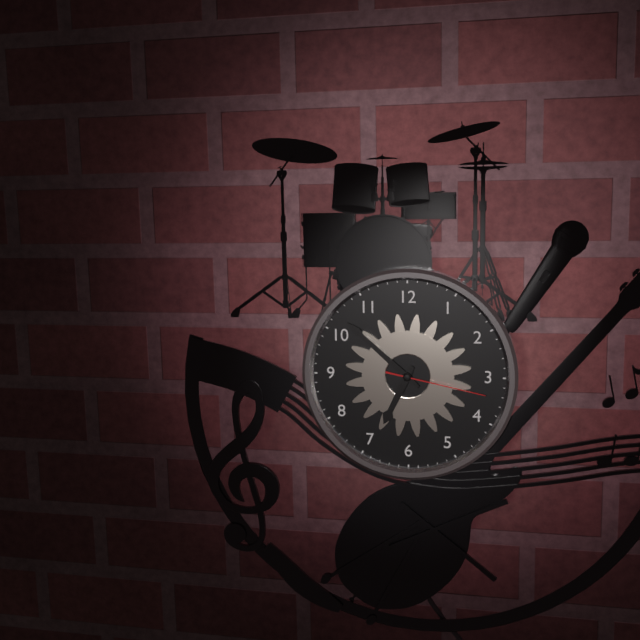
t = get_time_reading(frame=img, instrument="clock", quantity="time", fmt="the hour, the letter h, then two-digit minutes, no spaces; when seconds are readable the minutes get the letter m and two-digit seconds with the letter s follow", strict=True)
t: 6h52m17s
